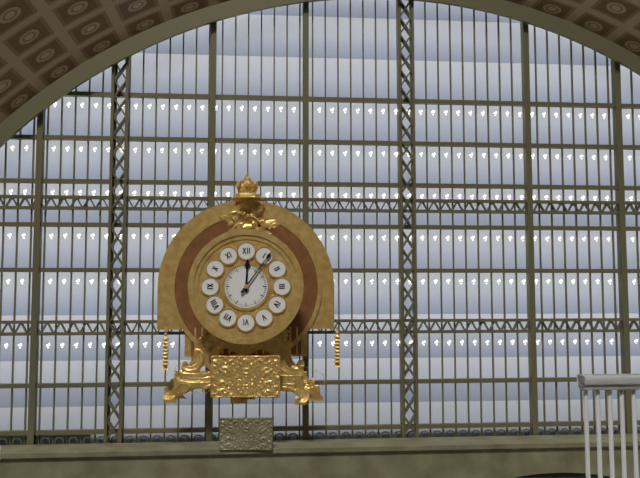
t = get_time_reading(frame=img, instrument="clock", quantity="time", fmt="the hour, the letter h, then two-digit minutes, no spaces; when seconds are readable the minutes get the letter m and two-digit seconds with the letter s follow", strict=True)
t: 12h06
